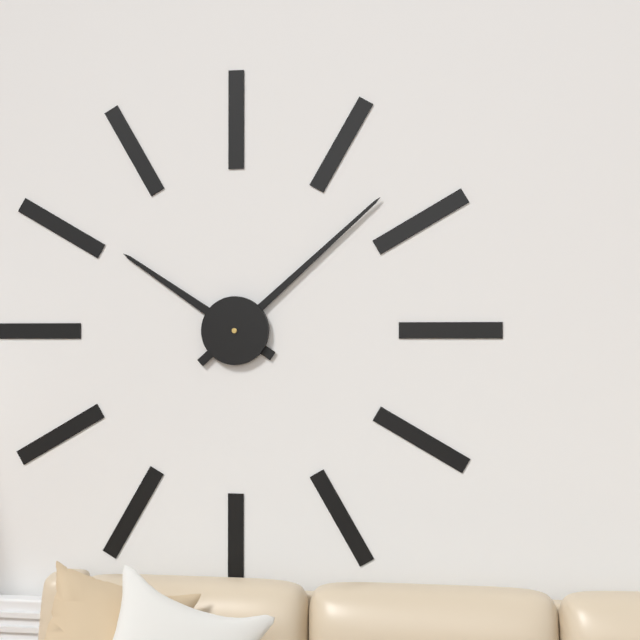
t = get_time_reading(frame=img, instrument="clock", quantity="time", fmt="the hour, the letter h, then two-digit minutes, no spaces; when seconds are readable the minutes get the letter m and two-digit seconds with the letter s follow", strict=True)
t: 10h08
